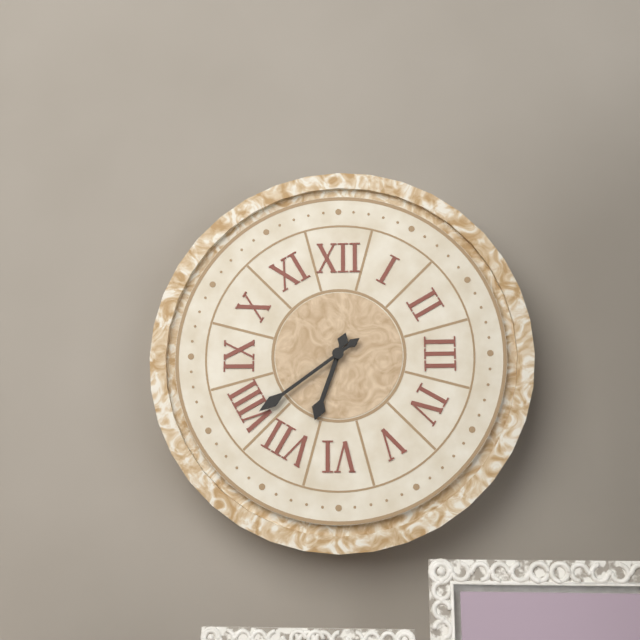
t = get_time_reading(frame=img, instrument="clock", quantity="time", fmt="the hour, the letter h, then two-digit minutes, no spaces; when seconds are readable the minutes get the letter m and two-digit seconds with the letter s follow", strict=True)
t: 6h39
